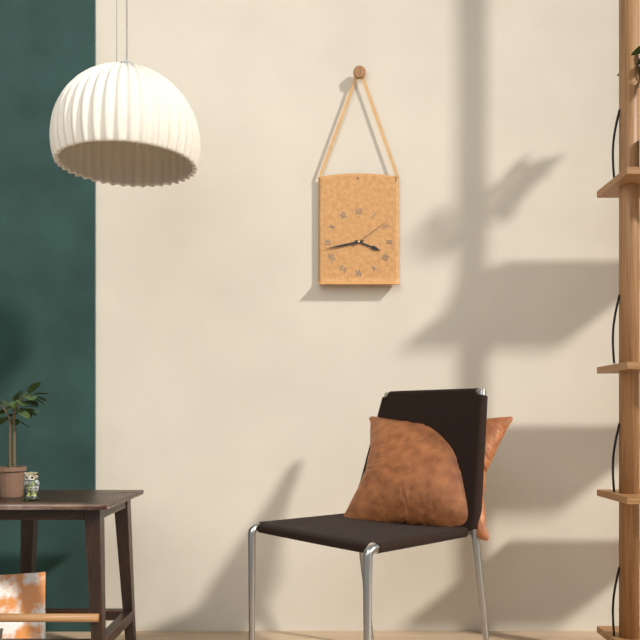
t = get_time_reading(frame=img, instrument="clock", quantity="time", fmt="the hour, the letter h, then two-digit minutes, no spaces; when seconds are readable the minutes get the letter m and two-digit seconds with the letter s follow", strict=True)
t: 3h43
